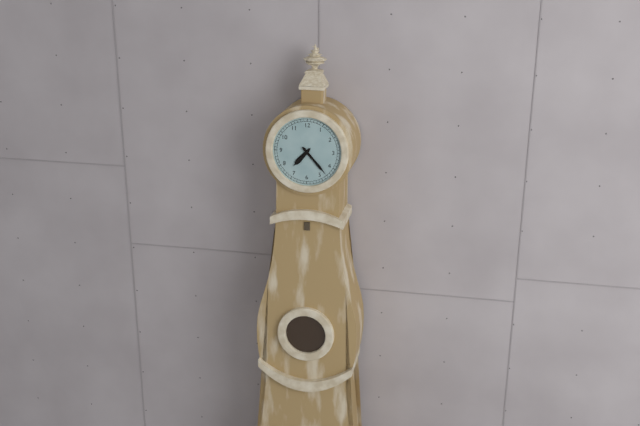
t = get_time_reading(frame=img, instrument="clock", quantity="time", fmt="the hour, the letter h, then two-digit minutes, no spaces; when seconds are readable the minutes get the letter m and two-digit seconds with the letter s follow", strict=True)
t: 7h23
